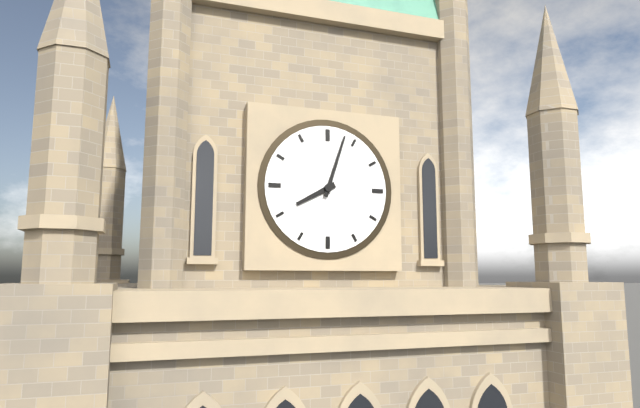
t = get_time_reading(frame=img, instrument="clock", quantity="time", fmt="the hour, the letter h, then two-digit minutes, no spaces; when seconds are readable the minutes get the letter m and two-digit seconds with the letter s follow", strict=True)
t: 8h03
